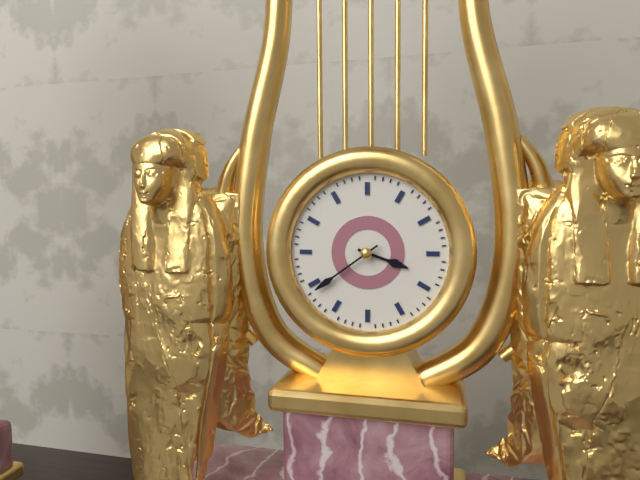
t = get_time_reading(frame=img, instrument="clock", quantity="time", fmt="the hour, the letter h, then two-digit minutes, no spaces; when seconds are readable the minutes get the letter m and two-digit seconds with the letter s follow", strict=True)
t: 3h39
